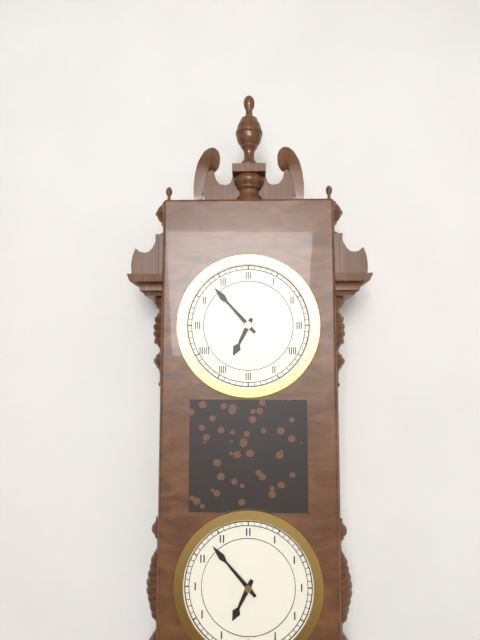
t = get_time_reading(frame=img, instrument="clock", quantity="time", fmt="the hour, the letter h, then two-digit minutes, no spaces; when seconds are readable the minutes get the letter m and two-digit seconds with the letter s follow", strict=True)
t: 6h53
